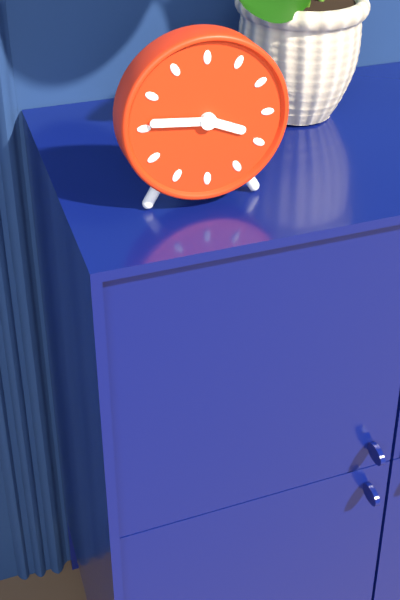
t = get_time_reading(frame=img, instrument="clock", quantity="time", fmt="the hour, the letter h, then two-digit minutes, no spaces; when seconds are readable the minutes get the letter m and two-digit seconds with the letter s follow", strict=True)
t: 3h46
